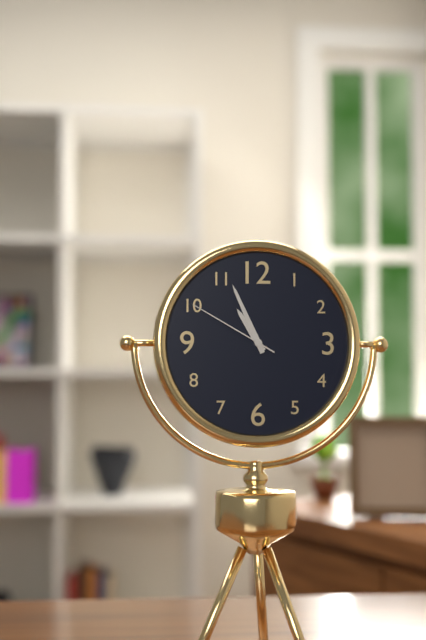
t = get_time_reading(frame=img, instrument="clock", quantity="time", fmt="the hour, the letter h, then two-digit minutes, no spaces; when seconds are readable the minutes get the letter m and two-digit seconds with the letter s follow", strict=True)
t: 10h56m50s
